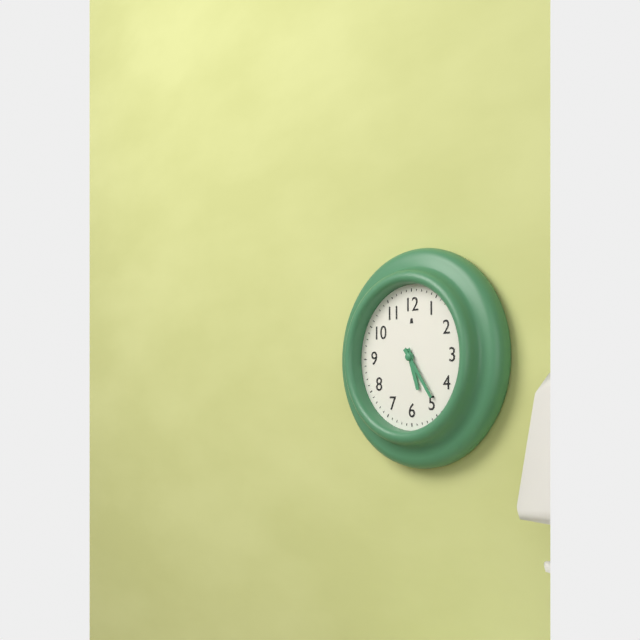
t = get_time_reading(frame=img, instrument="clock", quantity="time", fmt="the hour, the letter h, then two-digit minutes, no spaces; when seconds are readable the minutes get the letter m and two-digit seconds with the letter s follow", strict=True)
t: 5h24
